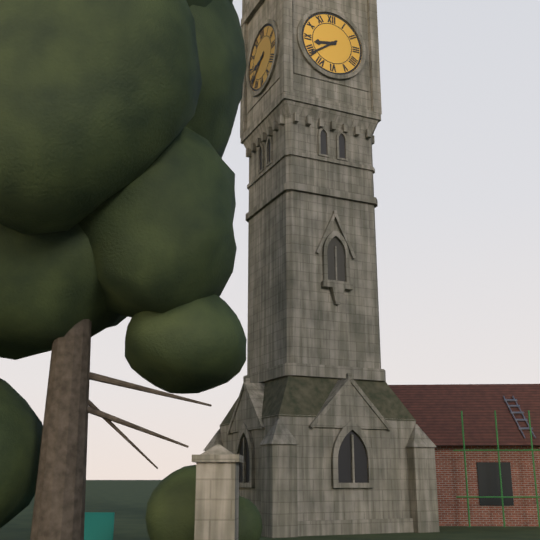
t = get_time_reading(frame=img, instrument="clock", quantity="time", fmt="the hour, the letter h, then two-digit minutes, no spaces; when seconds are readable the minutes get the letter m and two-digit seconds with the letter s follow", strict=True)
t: 8h39
